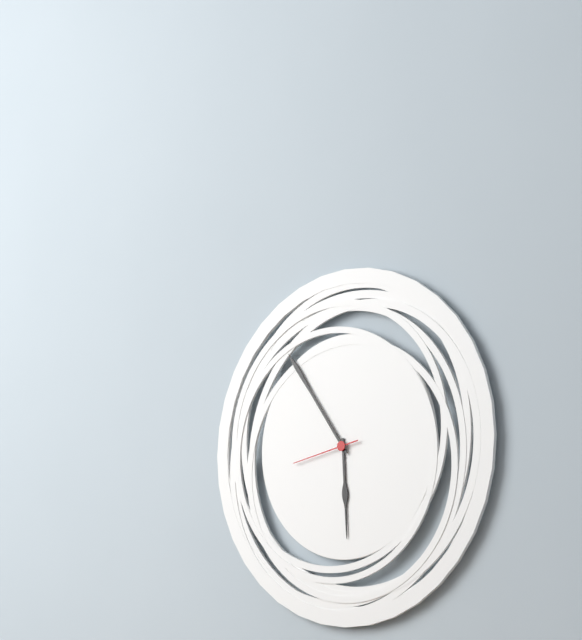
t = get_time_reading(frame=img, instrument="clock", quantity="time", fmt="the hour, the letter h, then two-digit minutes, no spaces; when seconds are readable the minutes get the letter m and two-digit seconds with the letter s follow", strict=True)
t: 5h54m43s
